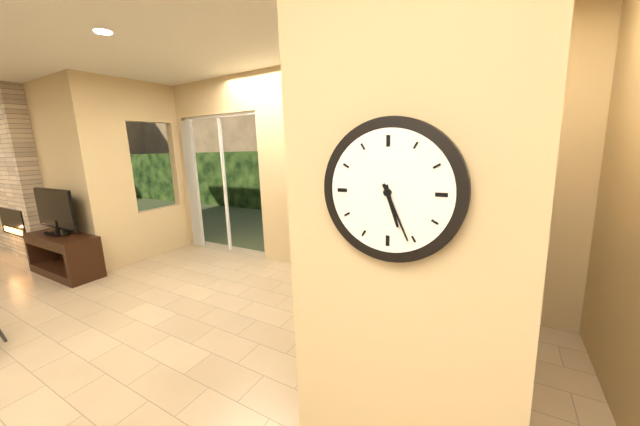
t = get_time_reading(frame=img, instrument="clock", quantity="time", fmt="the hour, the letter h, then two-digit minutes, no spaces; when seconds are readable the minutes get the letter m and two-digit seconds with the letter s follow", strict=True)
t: 5h26
